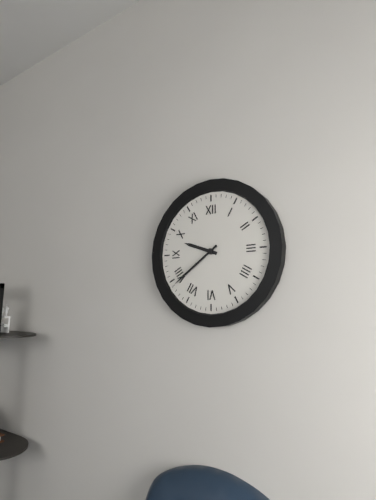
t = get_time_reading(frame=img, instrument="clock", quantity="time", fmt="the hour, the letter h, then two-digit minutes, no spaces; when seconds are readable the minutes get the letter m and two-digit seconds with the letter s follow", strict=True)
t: 9h39
